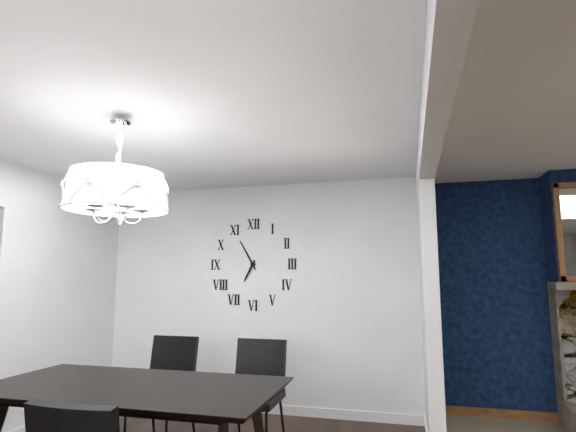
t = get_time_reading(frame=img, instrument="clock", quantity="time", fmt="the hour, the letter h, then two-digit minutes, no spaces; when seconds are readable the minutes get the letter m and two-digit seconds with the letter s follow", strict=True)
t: 6h55
